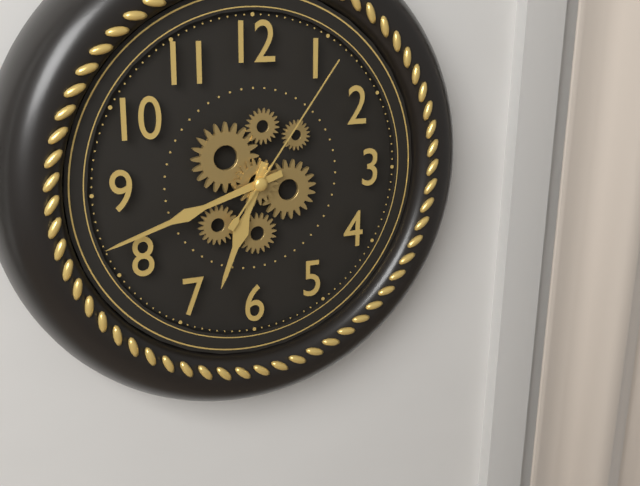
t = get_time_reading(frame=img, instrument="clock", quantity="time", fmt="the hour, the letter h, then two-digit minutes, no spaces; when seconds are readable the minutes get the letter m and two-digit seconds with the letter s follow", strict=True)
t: 6h42m06s
